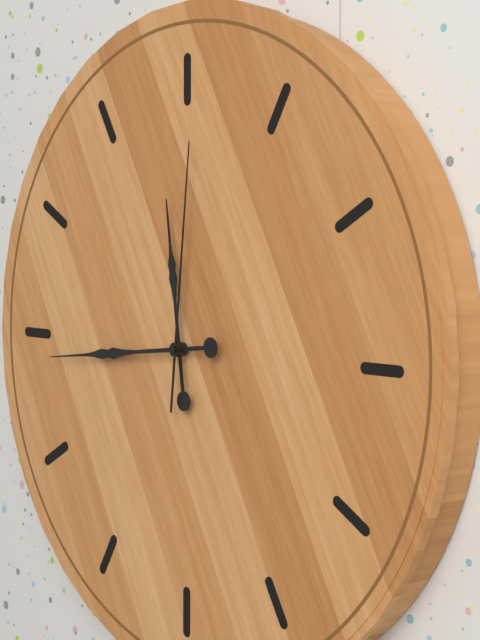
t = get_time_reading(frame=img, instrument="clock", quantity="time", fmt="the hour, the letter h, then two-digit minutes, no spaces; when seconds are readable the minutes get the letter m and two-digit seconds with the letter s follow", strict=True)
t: 11h44m01s
